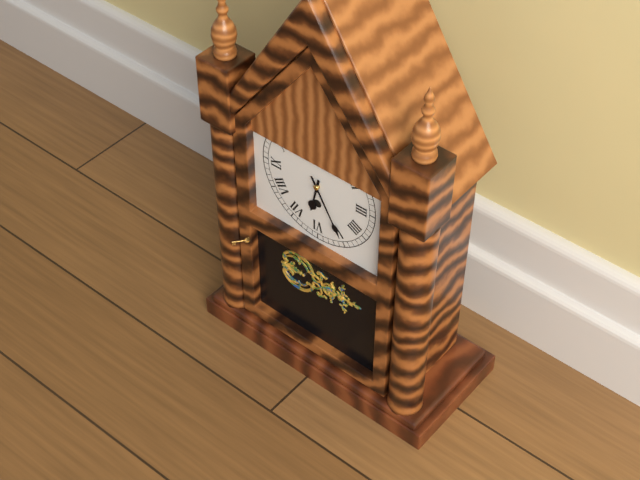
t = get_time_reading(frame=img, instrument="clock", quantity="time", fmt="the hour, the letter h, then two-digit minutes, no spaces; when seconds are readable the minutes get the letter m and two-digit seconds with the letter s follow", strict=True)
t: 6h25
